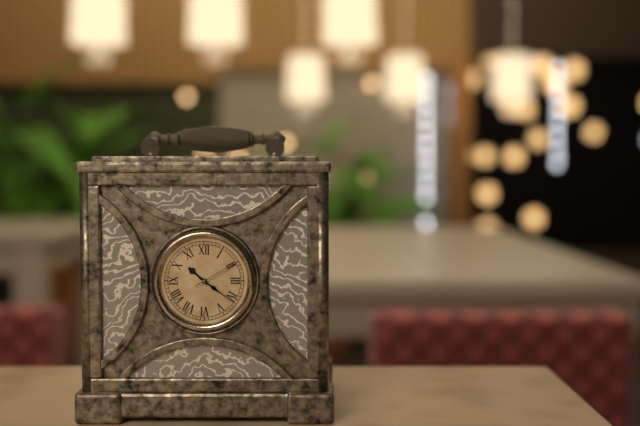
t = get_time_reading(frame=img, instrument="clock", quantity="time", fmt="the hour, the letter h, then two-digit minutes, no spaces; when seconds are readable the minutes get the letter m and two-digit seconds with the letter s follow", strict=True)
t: 10h21
